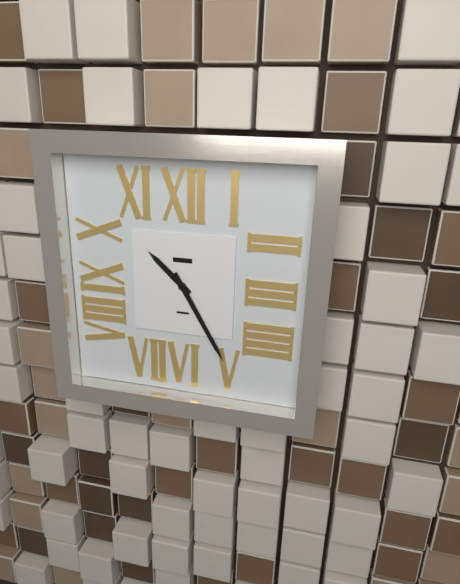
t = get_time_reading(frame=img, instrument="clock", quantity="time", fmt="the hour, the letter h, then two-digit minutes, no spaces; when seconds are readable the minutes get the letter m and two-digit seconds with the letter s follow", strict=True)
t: 10h25
